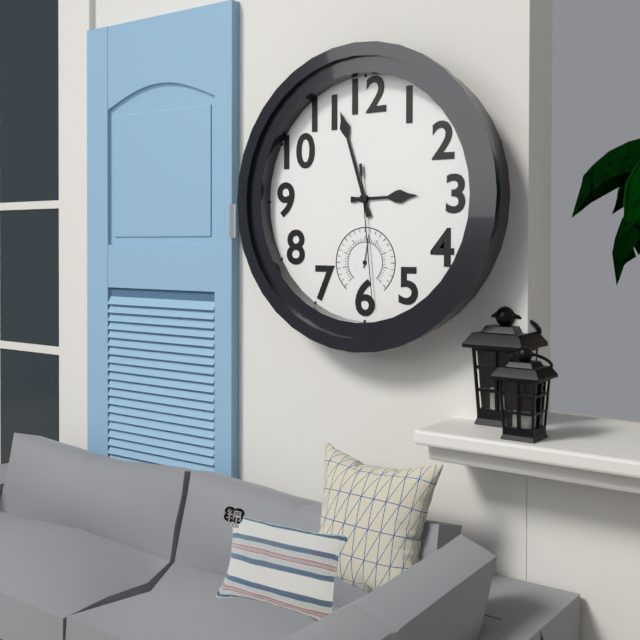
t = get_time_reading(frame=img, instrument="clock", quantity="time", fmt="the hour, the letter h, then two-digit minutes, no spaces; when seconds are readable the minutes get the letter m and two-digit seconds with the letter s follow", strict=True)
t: 2h57m29s
